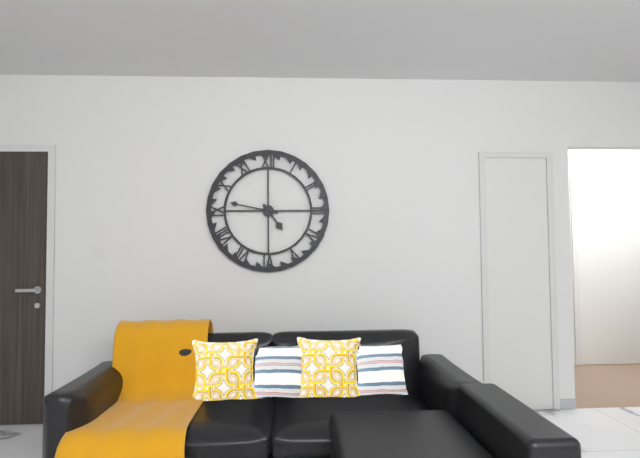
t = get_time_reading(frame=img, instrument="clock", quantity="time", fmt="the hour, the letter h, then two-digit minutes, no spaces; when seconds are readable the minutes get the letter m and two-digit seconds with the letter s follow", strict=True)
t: 4h47
